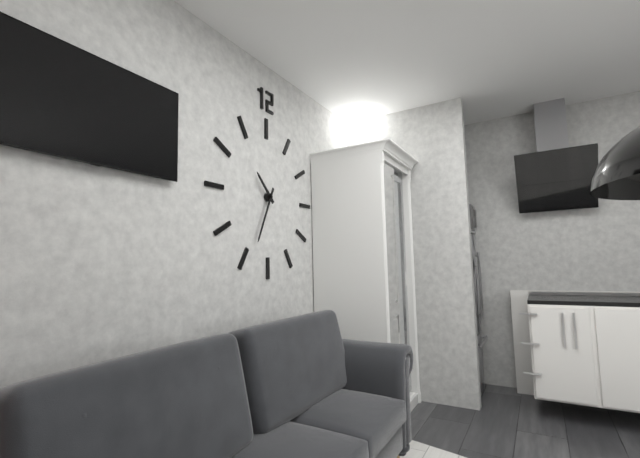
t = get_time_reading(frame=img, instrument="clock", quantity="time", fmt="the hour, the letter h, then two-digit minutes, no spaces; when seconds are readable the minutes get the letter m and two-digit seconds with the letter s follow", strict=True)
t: 10h34
